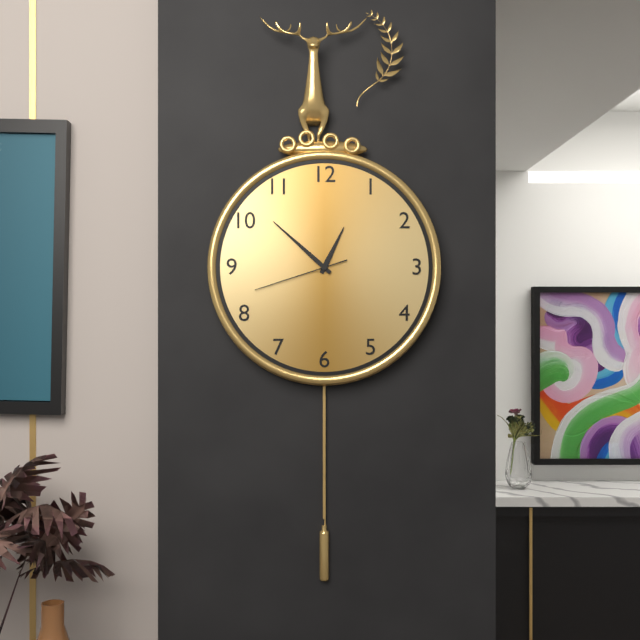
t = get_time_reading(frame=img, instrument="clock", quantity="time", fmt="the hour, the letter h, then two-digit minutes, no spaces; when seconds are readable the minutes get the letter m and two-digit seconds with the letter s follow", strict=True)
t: 12h52m42s
